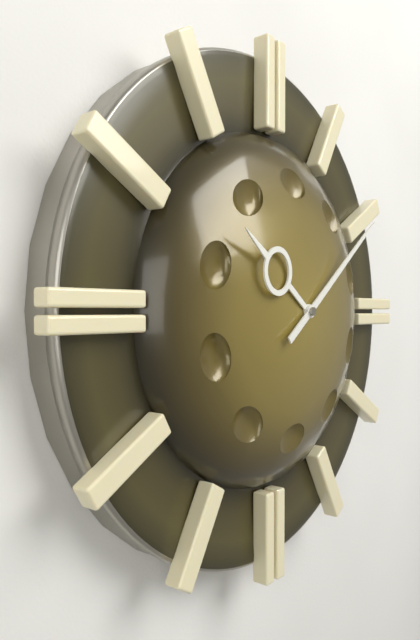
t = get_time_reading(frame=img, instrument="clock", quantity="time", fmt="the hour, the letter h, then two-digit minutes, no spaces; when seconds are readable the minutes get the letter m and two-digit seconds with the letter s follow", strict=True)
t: 10h09
